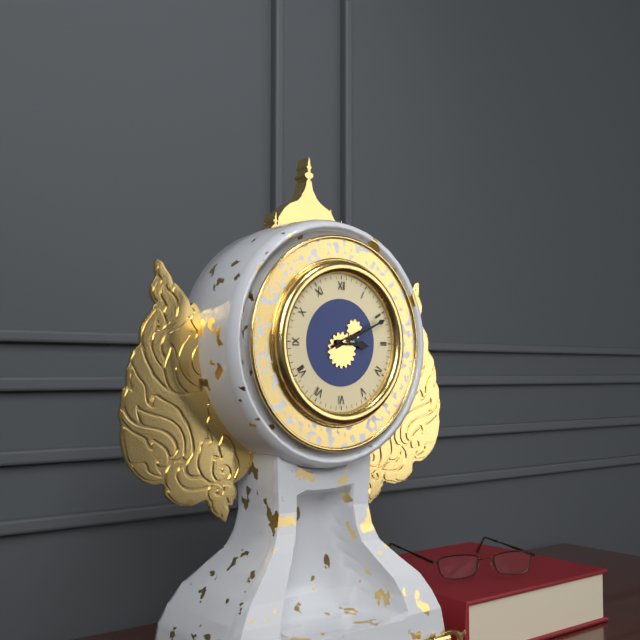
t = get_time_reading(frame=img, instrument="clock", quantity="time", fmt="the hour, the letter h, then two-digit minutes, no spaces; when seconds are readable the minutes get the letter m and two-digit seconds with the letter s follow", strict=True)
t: 3h11
